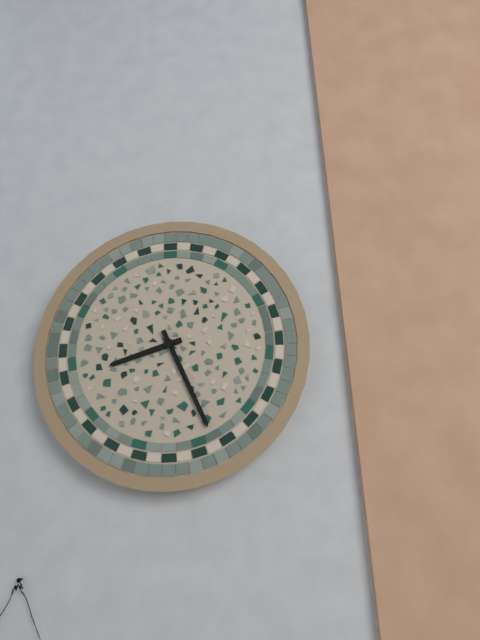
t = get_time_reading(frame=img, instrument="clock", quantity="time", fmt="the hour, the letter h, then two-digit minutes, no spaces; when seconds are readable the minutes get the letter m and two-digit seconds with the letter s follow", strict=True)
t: 8h26
